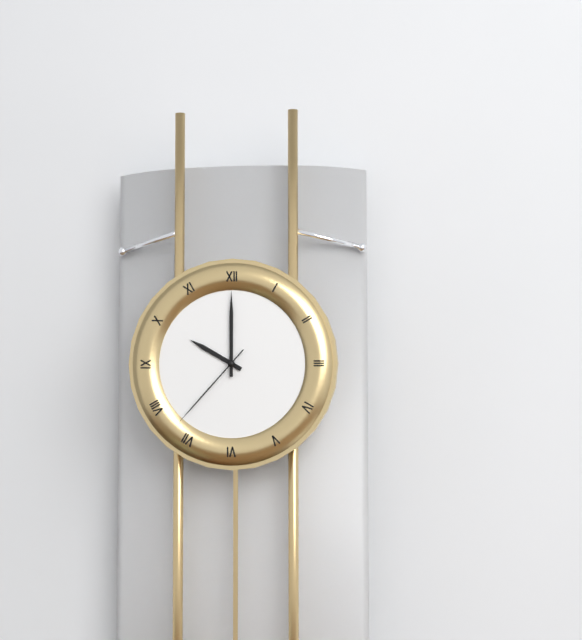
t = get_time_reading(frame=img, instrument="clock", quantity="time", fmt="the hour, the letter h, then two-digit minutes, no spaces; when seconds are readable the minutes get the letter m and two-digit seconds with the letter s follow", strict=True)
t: 10h00m37s
